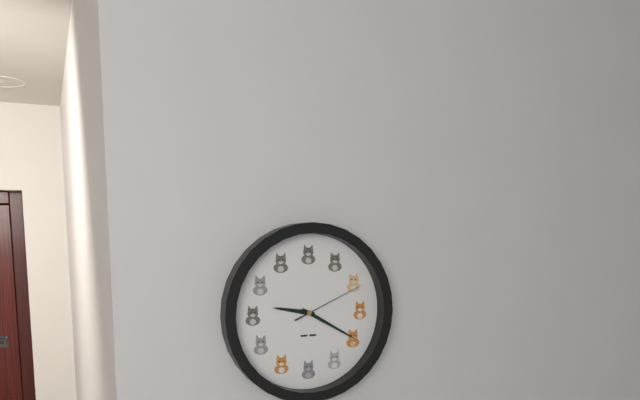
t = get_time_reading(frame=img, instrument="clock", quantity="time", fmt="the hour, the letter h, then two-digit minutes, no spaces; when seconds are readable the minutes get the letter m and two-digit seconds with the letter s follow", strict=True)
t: 9h20m11s
